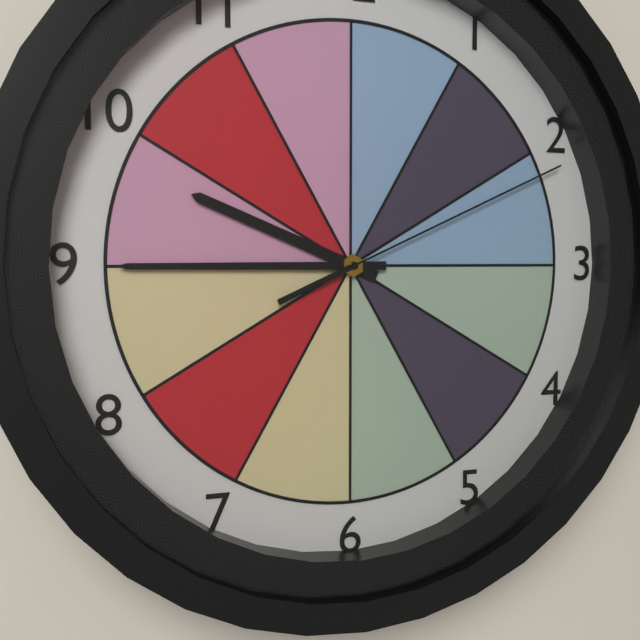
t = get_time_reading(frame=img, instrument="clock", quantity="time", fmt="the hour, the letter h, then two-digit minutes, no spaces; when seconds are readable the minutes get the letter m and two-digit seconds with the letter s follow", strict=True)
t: 9h45m11s
